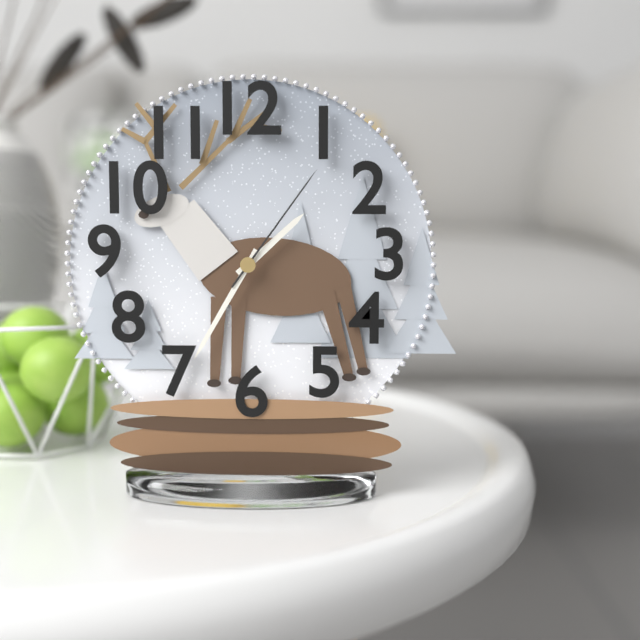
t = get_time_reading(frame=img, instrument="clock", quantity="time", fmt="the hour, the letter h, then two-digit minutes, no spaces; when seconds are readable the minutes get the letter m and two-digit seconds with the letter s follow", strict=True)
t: 1h35m06s
